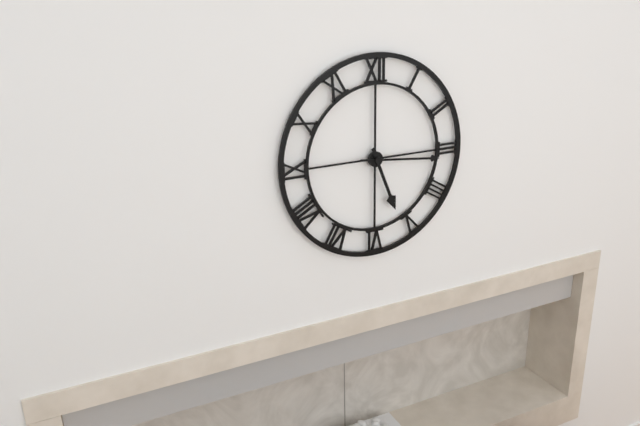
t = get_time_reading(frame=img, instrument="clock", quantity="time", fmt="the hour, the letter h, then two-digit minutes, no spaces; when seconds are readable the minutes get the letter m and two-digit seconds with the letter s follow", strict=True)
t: 5h16
